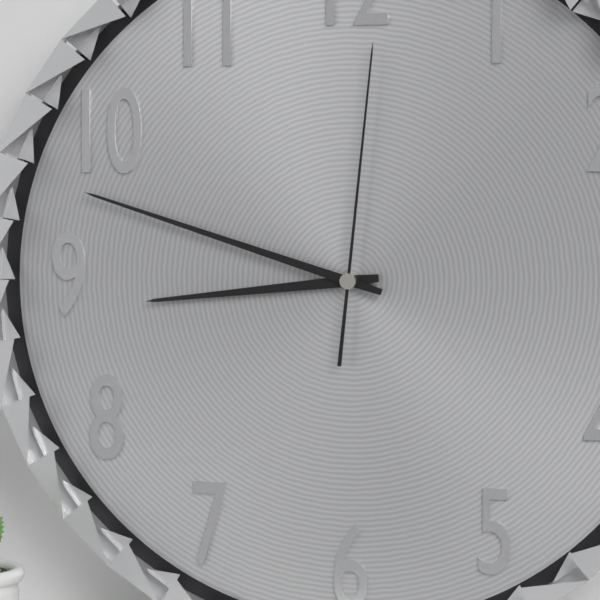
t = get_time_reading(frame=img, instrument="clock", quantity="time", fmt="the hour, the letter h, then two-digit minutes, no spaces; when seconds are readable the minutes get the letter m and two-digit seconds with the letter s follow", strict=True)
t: 8h48m01s
